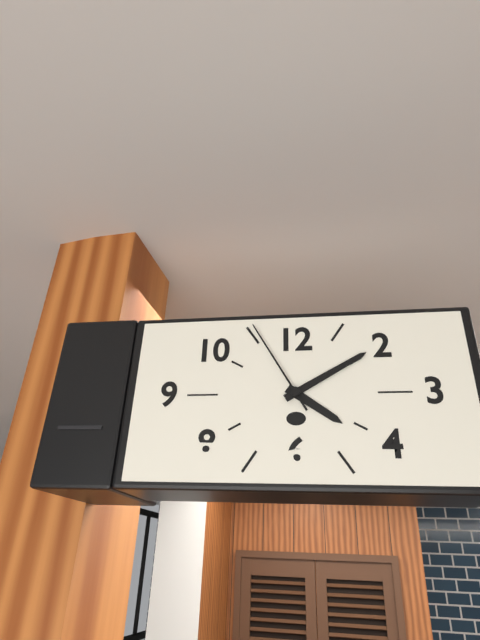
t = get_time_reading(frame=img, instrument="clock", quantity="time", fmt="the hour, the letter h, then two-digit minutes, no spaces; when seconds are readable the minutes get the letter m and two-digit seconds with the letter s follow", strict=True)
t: 4h10m55s
